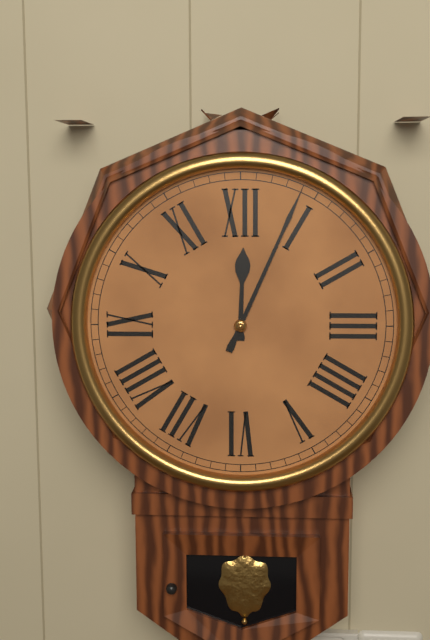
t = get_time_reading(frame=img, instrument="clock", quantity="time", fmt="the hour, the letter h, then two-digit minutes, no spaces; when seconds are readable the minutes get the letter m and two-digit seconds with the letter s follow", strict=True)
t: 12h04
